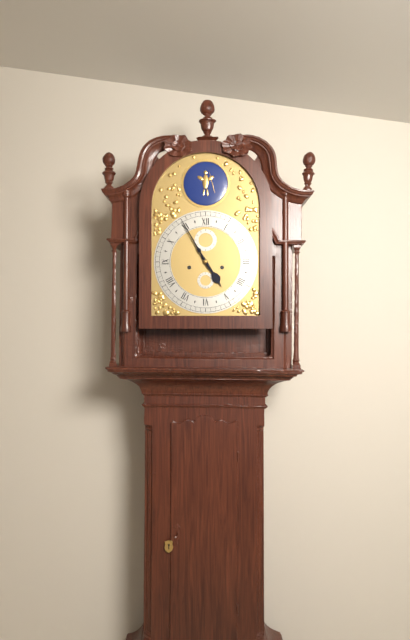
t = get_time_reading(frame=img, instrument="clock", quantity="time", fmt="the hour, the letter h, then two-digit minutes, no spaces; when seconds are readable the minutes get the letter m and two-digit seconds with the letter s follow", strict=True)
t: 4h55
